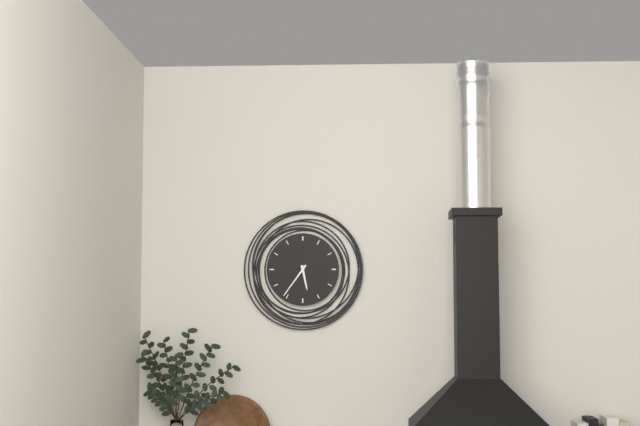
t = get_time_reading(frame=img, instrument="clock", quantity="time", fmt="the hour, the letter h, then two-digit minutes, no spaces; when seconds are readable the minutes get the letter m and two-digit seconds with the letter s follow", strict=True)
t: 5h36
